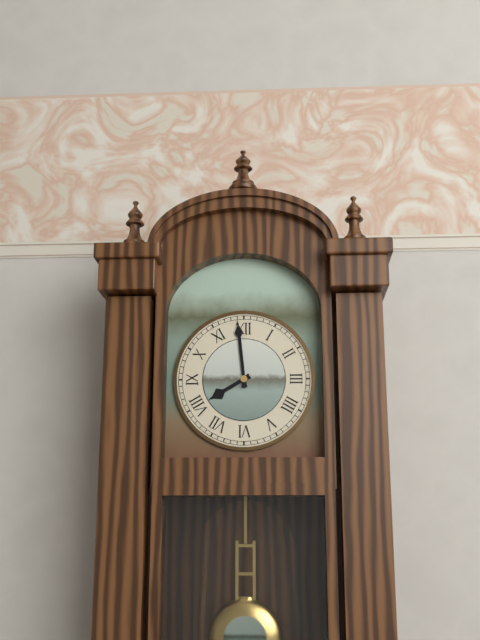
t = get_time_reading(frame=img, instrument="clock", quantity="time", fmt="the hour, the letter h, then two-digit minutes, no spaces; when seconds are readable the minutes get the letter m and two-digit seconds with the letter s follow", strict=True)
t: 7h59
